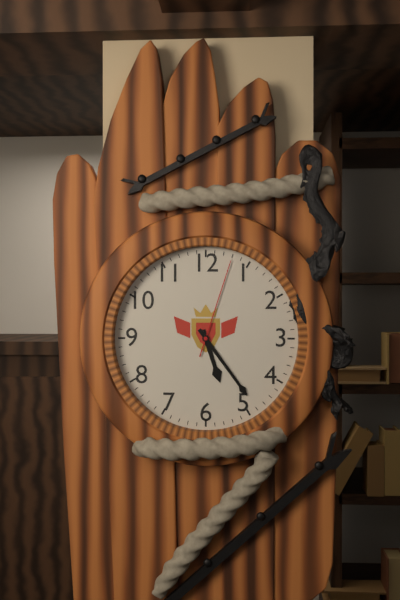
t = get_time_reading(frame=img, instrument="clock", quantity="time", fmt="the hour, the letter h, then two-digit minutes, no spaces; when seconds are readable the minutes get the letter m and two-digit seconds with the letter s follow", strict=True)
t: 5h24m03s
